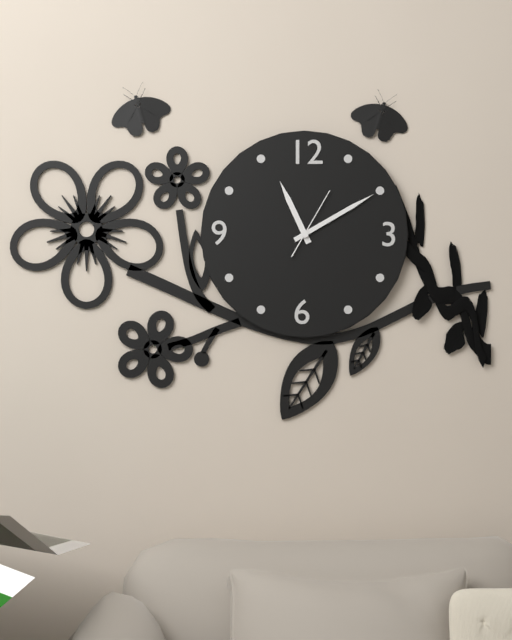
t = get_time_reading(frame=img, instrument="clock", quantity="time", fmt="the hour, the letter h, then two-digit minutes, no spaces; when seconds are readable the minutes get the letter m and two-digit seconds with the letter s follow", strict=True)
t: 11h10m05s
